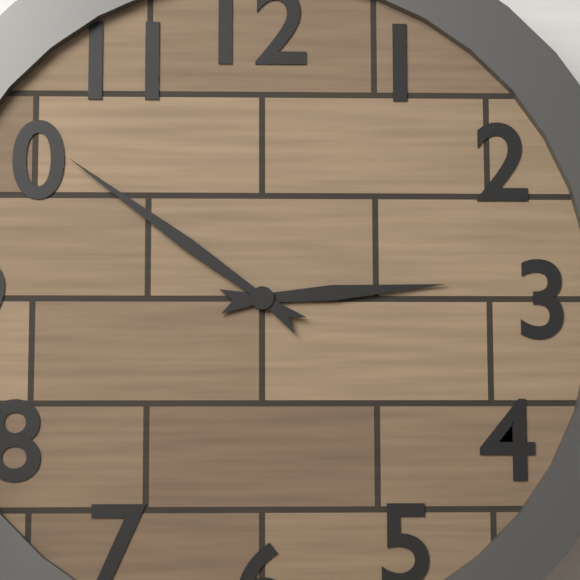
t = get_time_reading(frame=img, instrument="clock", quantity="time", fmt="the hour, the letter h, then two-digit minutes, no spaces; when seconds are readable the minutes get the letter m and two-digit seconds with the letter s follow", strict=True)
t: 2h51
